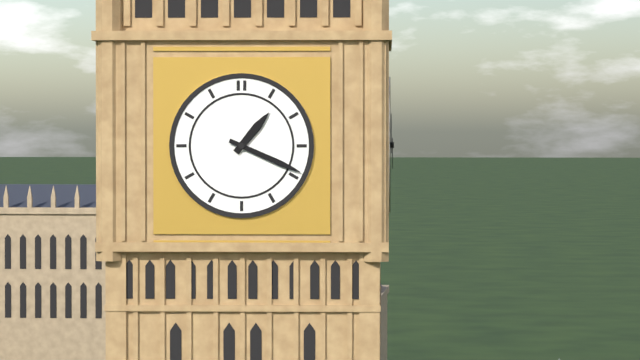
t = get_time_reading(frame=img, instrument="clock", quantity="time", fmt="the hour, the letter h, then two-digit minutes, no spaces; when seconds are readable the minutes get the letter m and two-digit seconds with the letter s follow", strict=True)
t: 1h19
